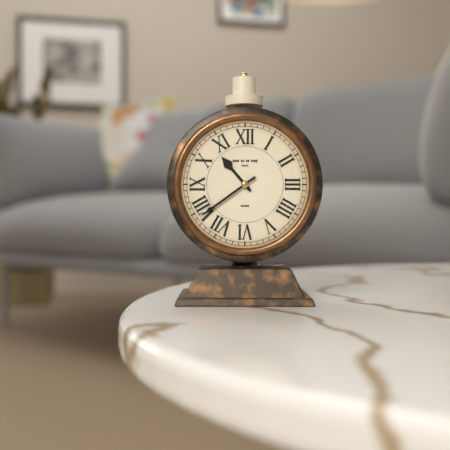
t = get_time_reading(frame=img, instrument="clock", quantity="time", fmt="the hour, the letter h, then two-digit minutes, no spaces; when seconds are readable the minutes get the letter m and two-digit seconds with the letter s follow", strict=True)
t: 10h39
